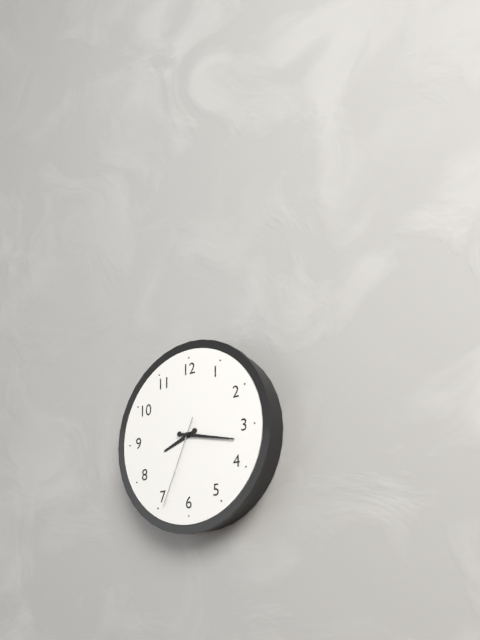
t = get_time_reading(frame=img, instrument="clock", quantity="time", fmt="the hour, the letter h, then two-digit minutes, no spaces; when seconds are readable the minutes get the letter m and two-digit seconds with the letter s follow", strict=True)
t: 8h17m34s
